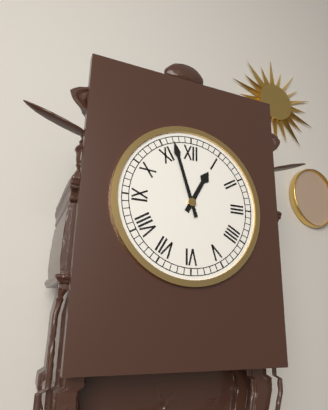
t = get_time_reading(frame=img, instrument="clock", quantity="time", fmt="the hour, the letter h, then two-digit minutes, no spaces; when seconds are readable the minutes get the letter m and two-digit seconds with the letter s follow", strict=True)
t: 12h57
